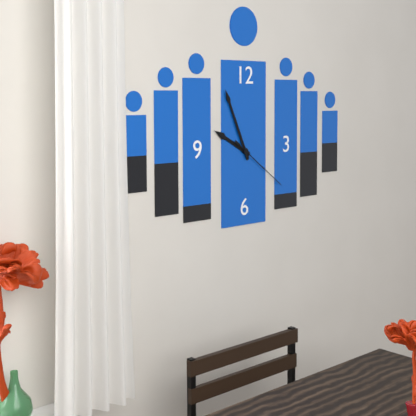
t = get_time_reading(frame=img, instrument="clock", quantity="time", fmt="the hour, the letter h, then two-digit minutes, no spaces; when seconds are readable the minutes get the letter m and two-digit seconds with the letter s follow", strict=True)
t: 9h56m21s
